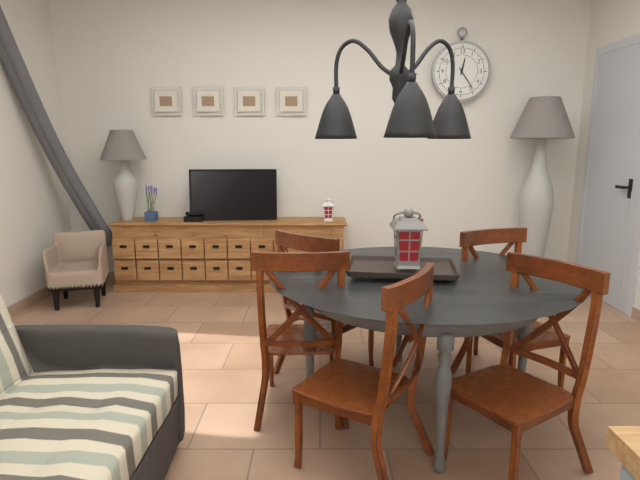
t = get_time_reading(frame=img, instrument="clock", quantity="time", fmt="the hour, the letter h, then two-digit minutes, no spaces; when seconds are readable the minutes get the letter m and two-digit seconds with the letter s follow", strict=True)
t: 12h24
